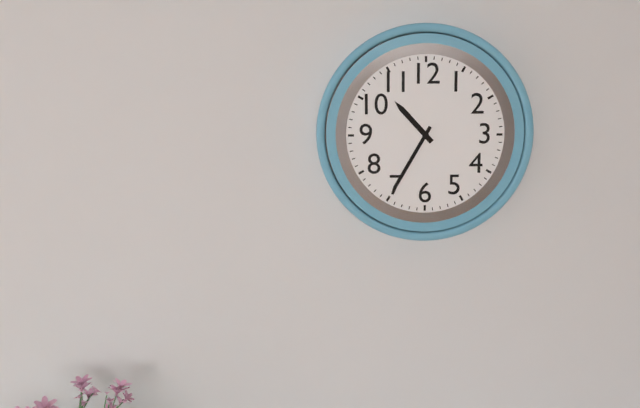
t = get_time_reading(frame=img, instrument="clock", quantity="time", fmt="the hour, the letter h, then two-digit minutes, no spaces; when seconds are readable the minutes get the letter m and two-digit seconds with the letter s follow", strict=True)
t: 10h35
